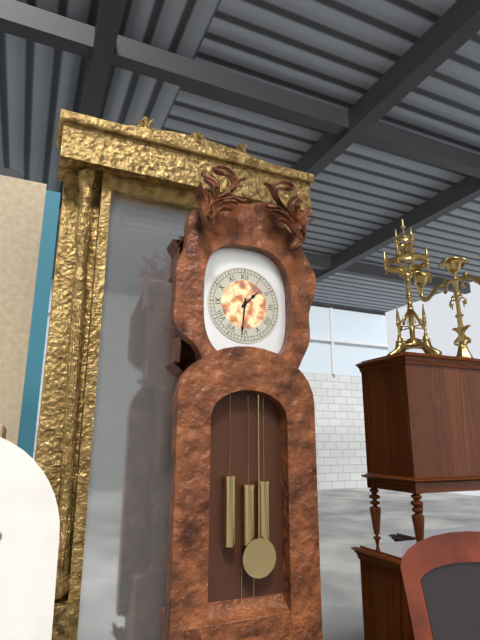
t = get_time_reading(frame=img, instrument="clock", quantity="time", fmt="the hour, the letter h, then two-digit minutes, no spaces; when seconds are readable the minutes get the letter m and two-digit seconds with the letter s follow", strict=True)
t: 1h31
